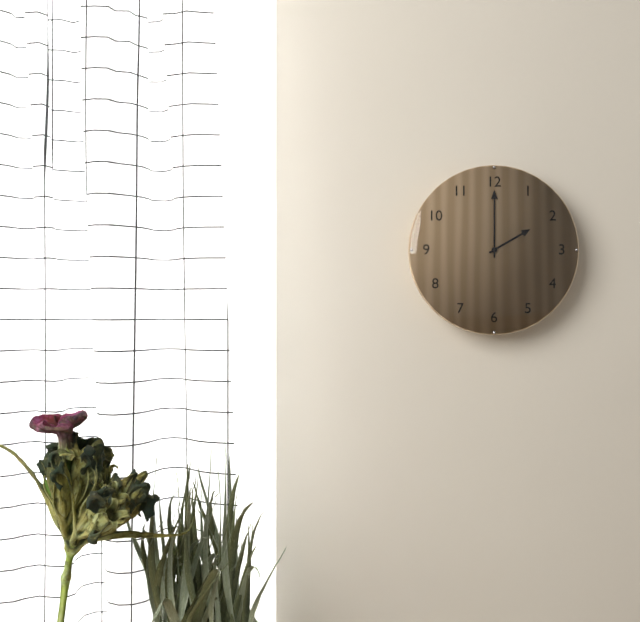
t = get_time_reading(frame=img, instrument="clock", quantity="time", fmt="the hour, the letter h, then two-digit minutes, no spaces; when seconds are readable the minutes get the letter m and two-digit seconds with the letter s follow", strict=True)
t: 2h00
